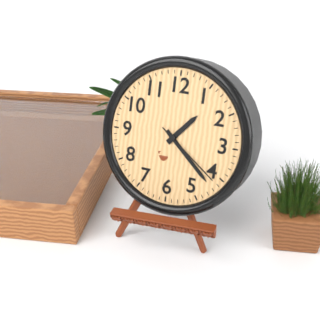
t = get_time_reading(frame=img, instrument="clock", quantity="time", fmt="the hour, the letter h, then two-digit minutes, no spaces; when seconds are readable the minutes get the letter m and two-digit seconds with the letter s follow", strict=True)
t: 1h22m21s
